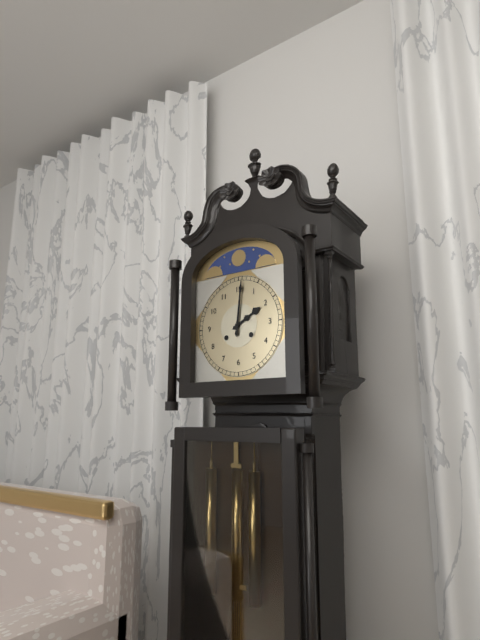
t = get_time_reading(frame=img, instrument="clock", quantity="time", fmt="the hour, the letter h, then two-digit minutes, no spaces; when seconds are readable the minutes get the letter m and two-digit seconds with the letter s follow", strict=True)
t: 2h01
